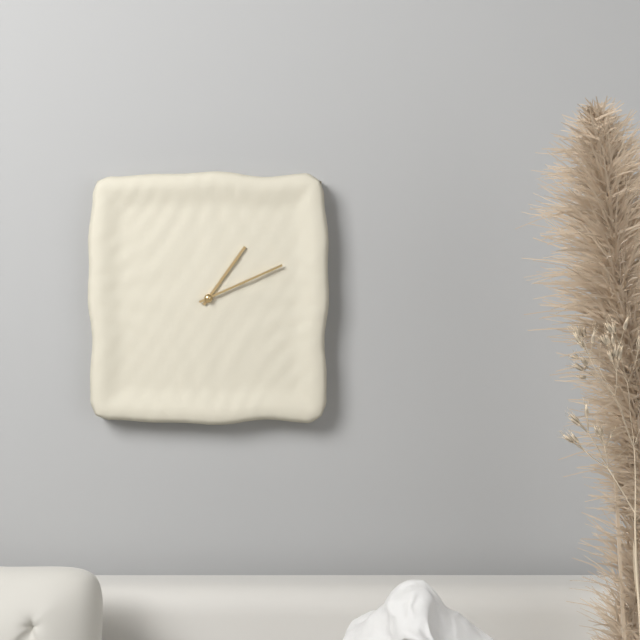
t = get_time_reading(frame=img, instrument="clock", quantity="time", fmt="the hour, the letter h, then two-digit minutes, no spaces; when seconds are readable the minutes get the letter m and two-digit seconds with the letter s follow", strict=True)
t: 1h11
